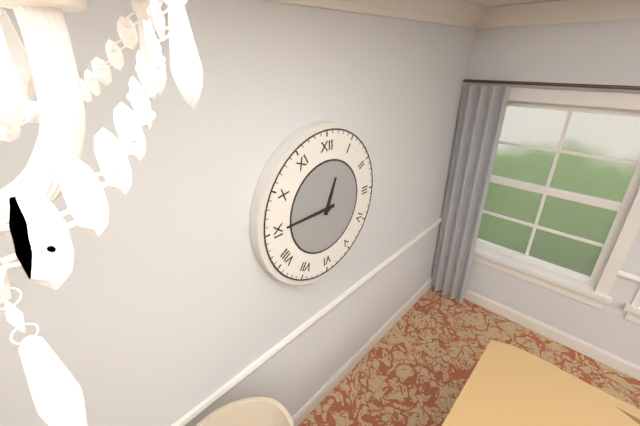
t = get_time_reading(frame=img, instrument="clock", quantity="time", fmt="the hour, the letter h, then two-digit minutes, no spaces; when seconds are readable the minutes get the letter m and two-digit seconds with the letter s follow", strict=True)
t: 12h45
